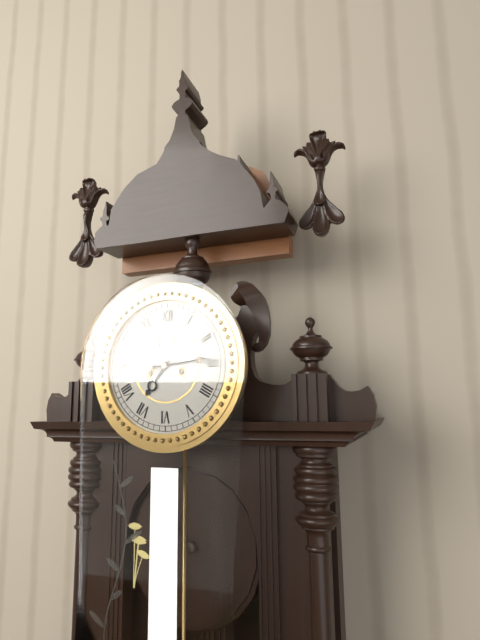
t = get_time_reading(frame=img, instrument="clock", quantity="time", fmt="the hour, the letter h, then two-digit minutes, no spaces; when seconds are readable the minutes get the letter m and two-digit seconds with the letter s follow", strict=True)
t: 7h14
